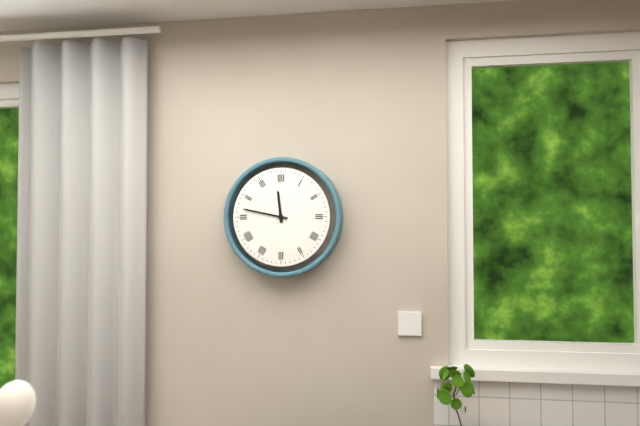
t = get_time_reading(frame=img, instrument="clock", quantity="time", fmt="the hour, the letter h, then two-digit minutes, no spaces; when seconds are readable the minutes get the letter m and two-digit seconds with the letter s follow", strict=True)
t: 11h47
